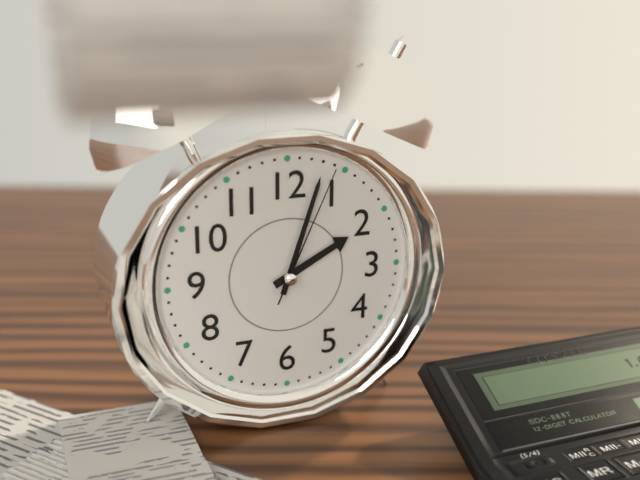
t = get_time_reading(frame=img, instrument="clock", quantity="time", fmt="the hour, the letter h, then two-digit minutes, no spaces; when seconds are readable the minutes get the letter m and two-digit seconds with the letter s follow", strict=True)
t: 2h03m04s
